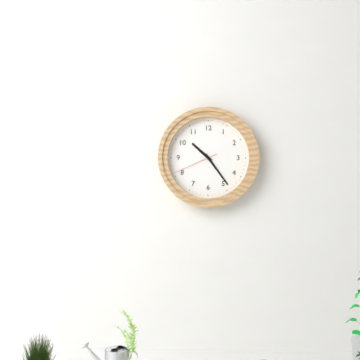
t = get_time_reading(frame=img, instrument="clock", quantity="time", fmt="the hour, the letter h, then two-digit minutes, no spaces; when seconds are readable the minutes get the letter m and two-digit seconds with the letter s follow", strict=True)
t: 10h24
